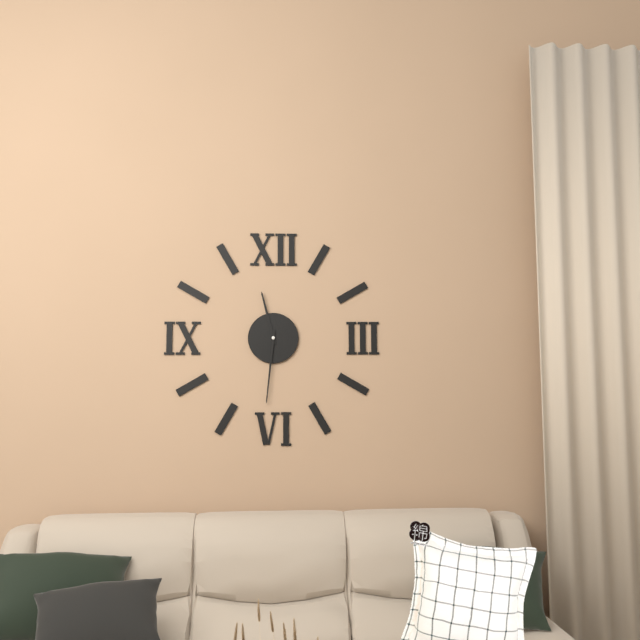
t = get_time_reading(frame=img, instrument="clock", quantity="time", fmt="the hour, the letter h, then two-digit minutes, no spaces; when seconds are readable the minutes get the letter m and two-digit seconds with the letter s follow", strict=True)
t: 11h31
